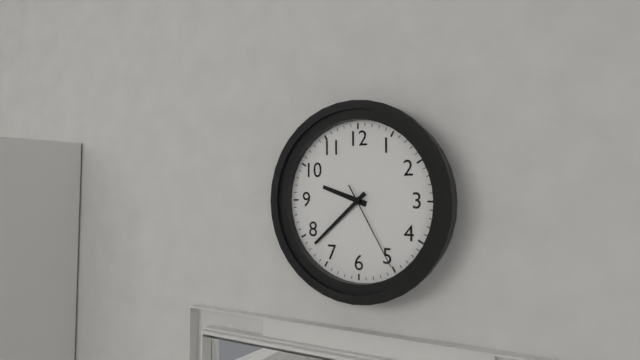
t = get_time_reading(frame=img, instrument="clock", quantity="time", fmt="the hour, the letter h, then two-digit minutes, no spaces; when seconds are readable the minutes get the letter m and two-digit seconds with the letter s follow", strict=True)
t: 9h38m25s
